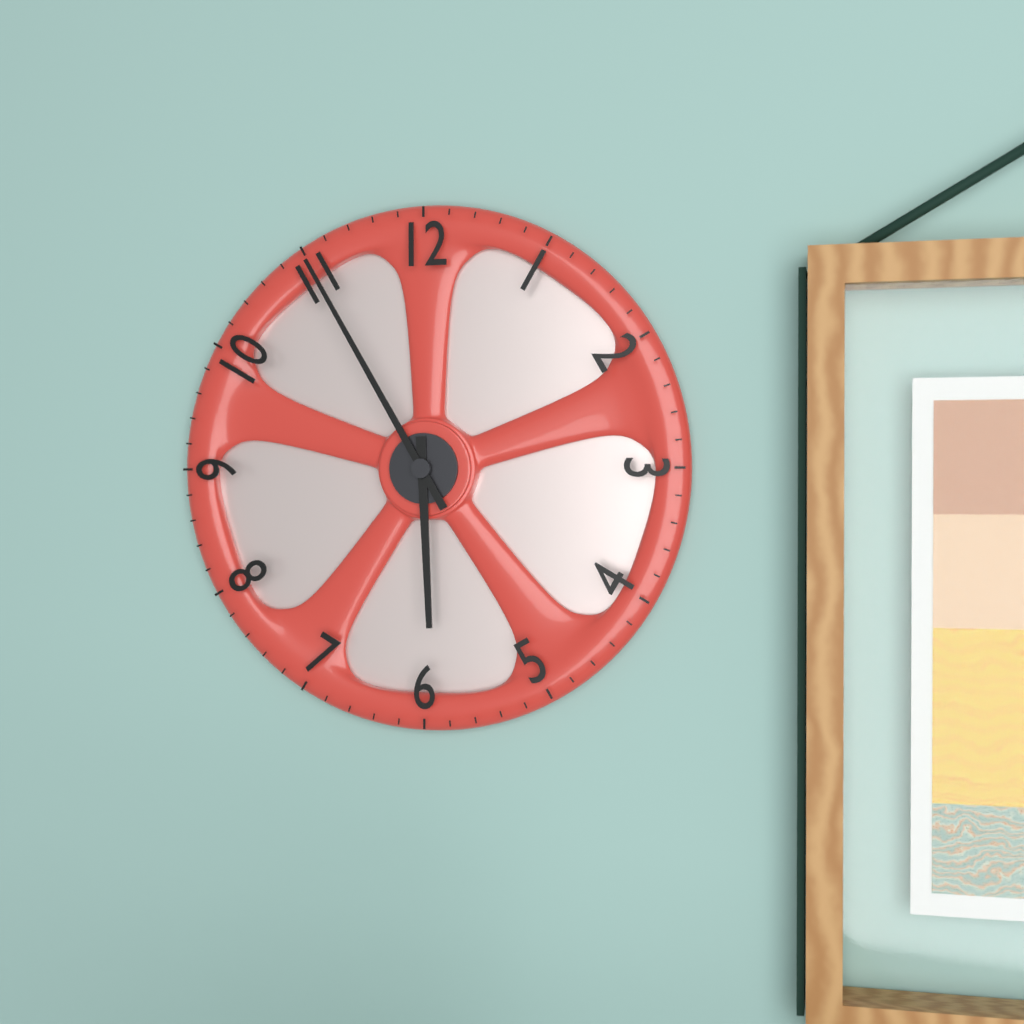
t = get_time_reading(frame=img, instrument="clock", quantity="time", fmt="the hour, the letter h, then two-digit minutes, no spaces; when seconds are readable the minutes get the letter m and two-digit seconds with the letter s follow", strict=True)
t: 5h55
